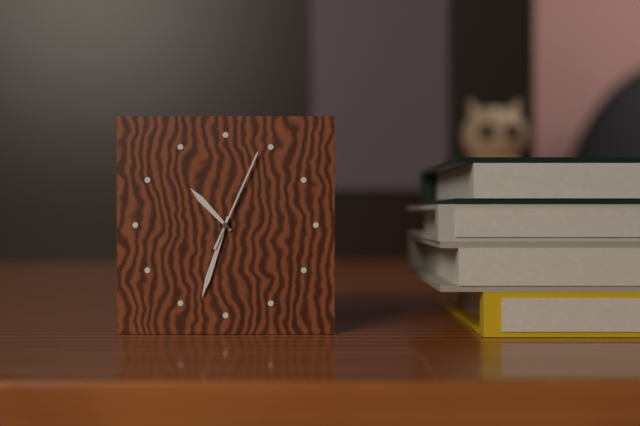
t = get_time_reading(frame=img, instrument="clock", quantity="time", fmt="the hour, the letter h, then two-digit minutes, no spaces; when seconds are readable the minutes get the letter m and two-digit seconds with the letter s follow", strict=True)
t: 10h33m04s
